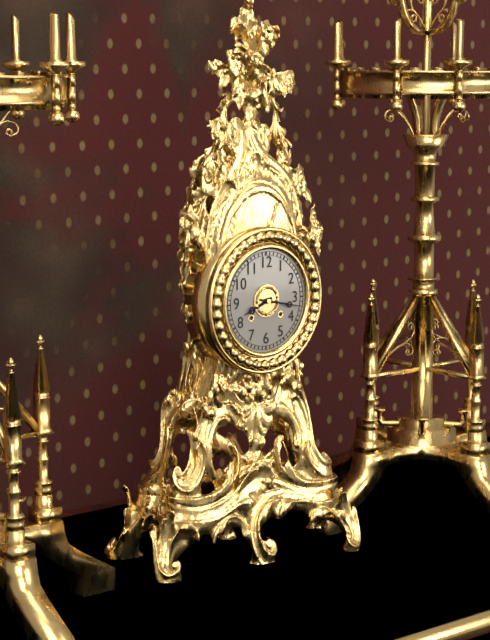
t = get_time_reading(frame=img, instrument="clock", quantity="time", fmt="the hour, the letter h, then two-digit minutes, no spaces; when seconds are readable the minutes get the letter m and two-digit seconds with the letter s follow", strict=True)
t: 8h17
